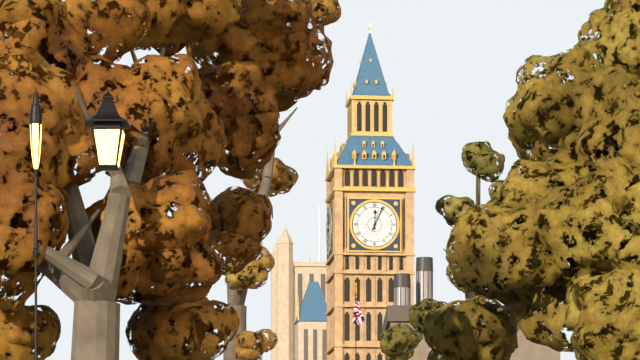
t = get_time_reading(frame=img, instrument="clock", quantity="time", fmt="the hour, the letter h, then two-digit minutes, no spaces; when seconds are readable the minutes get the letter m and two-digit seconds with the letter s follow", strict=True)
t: 12h04
